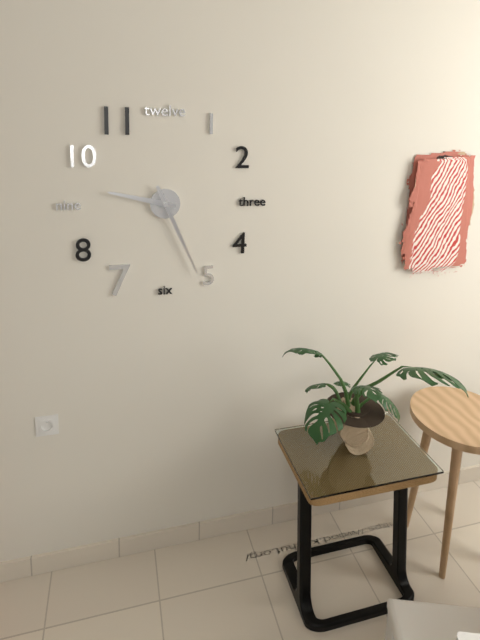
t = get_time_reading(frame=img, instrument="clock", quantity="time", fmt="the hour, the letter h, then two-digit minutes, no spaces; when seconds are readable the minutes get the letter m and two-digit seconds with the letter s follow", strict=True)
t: 9h26
